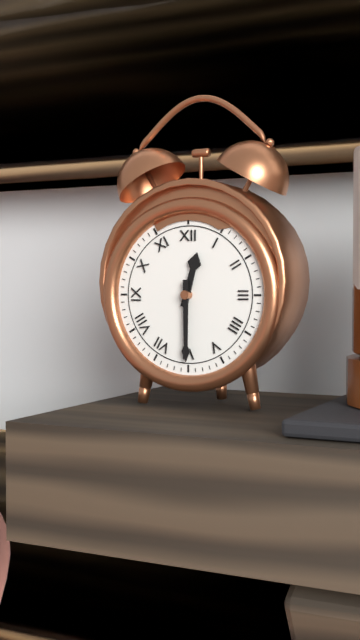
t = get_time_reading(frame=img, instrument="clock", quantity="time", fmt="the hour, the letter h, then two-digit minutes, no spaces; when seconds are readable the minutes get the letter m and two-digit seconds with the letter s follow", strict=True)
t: 12h30
